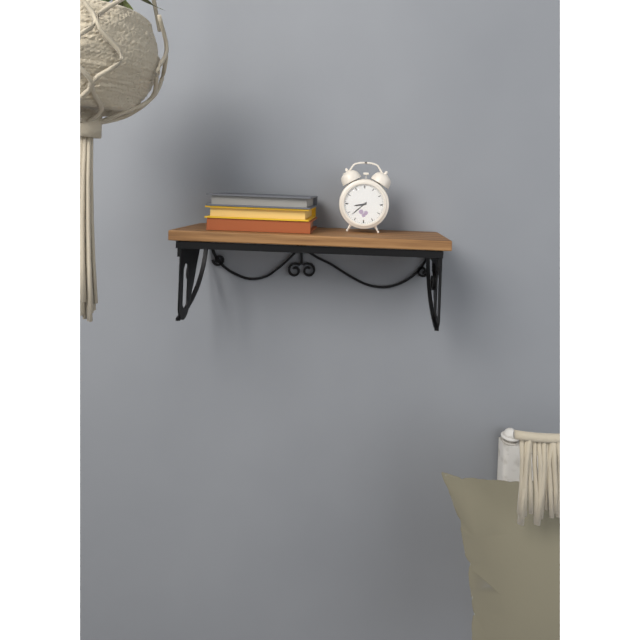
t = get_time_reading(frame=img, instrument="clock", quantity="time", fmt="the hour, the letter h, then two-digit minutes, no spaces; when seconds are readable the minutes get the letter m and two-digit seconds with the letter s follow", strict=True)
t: 8h38
